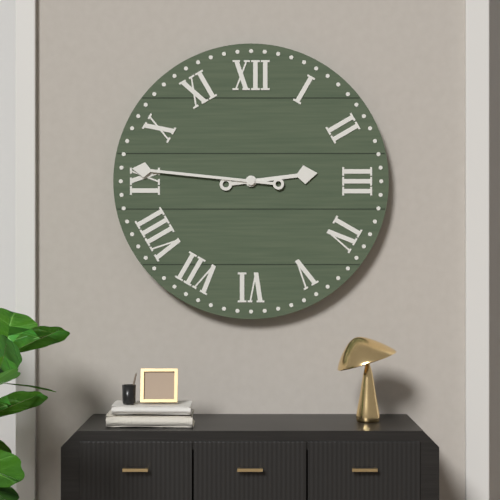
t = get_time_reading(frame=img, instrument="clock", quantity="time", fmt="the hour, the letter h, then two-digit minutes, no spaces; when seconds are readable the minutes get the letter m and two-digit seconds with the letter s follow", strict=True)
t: 2h46
